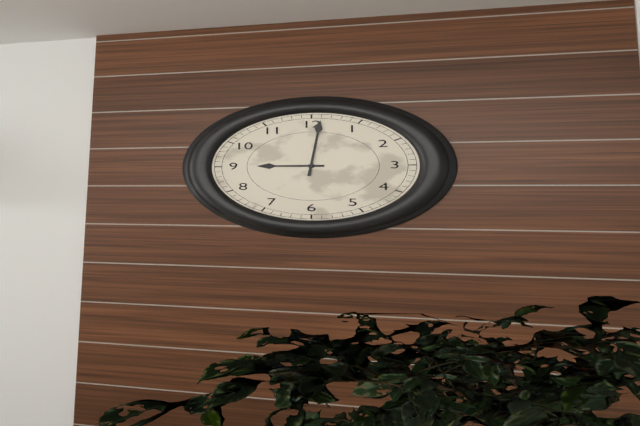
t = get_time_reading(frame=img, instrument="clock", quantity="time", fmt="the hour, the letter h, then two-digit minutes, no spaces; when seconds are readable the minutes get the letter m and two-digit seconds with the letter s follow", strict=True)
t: 9h01
